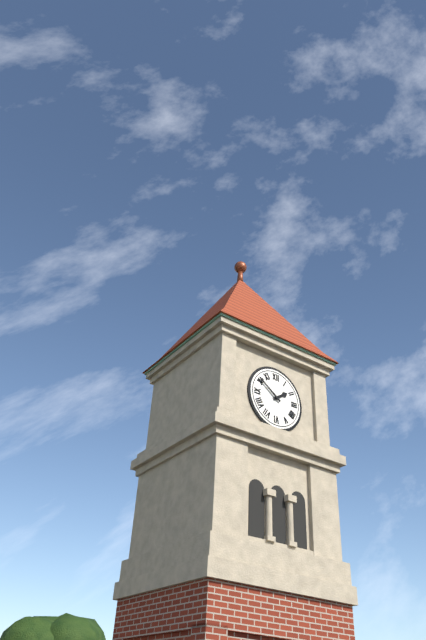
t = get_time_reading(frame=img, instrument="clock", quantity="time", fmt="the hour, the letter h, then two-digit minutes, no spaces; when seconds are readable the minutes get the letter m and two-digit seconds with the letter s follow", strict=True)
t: 1h51
